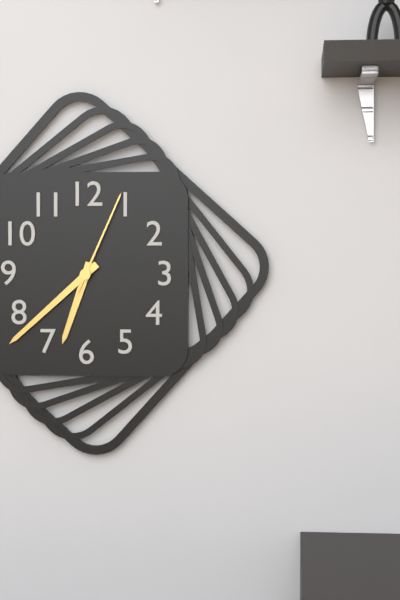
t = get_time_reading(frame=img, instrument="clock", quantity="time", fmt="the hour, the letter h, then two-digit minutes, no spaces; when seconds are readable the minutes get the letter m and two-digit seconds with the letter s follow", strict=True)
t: 6h38m04s
